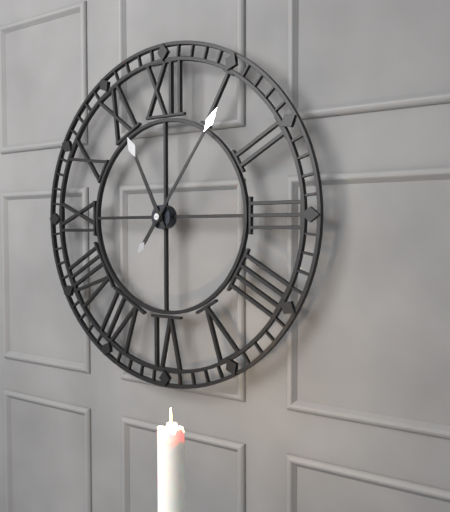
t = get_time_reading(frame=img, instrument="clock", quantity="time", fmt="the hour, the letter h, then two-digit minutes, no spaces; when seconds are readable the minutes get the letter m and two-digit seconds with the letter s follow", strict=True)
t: 11h06
